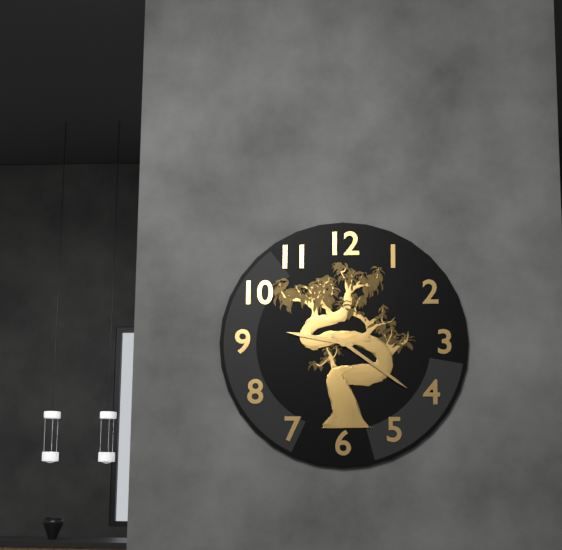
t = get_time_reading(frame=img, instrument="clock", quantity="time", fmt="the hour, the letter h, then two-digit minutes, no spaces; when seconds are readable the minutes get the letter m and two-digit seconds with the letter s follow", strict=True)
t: 9h21
